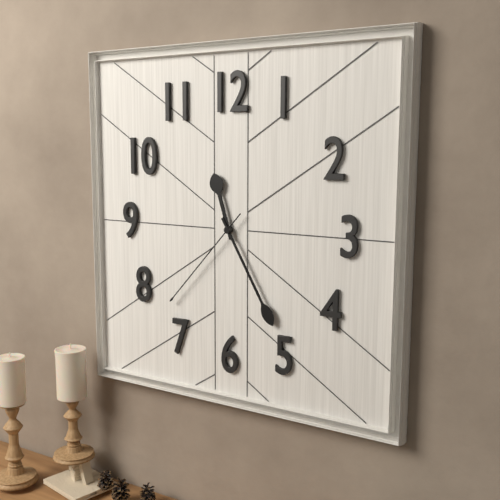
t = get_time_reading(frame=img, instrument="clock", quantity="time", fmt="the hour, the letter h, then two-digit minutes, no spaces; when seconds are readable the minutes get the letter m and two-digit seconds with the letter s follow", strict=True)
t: 11h25m37s
